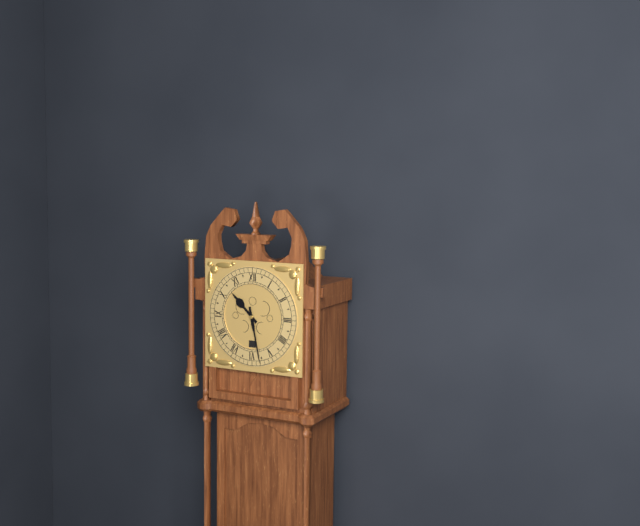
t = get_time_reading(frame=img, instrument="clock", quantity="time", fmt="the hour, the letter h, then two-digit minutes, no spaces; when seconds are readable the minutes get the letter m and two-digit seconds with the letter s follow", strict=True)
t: 10h28
